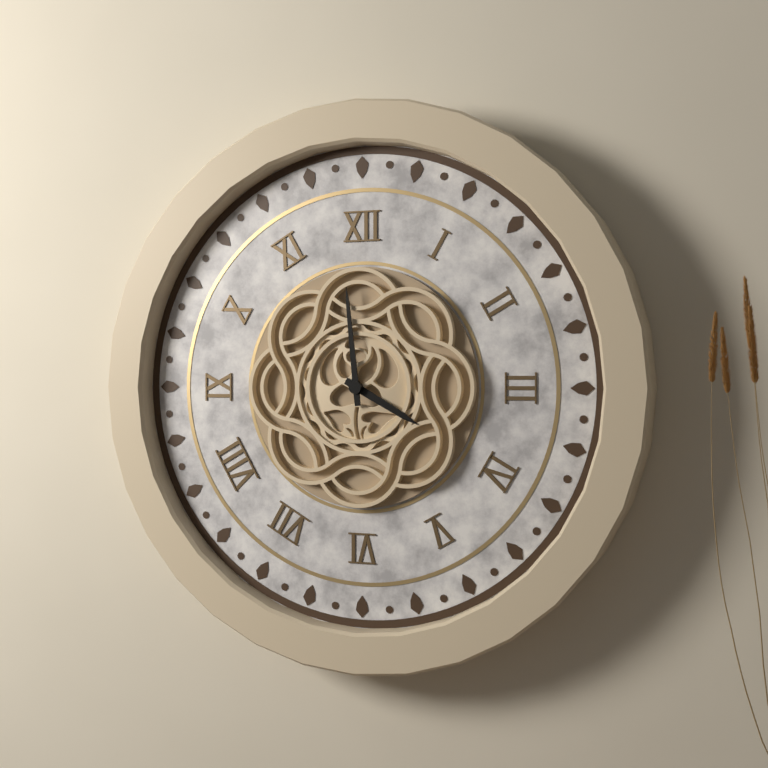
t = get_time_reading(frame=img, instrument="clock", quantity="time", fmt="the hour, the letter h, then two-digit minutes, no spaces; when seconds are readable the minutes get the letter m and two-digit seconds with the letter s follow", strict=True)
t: 3h59
